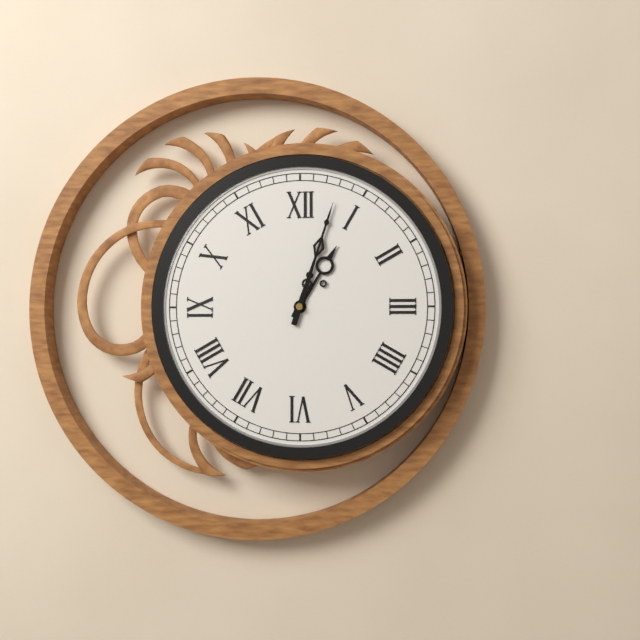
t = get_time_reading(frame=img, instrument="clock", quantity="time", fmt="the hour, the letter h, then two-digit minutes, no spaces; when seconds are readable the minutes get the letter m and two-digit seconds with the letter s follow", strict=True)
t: 1h03
